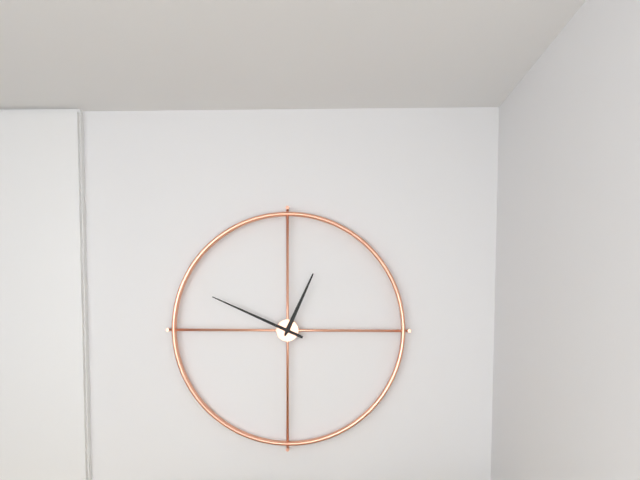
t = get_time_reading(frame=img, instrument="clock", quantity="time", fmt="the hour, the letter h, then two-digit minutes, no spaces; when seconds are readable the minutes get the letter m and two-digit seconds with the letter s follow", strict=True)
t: 12h49
